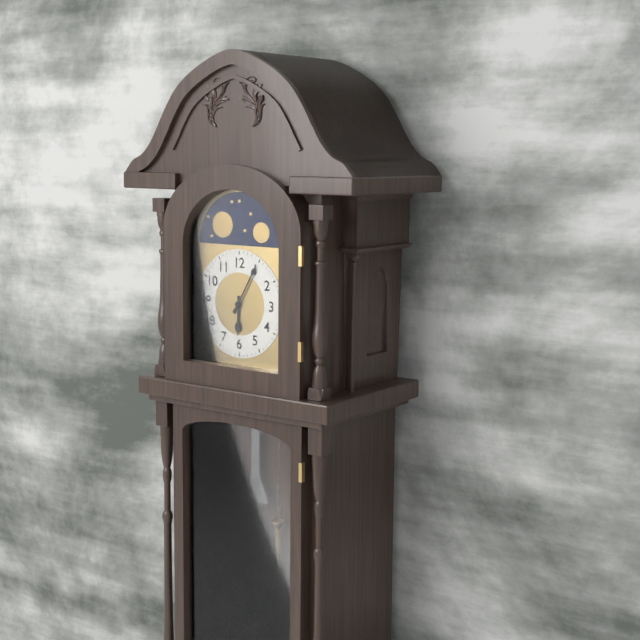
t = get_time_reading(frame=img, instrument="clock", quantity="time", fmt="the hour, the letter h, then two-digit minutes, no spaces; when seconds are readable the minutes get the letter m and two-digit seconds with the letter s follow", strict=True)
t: 6h05
